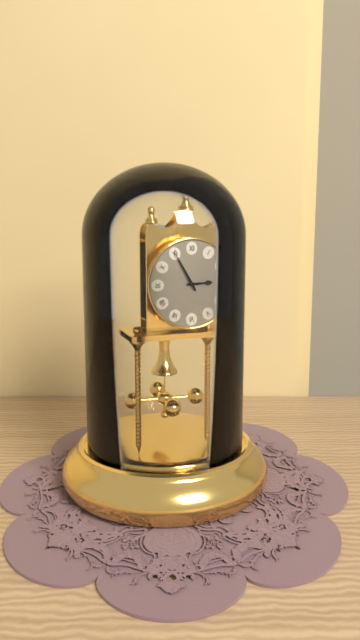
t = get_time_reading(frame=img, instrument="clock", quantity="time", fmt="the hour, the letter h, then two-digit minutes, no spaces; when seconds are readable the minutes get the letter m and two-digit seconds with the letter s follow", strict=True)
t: 2h55
